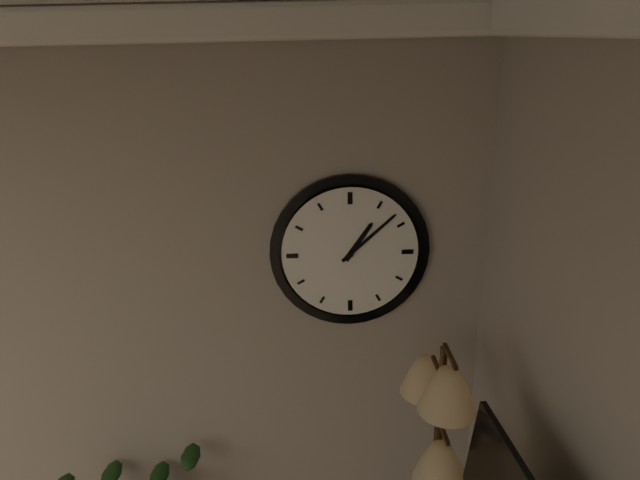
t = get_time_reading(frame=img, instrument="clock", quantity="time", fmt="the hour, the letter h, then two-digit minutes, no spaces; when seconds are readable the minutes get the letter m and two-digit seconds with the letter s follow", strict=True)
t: 1h08
